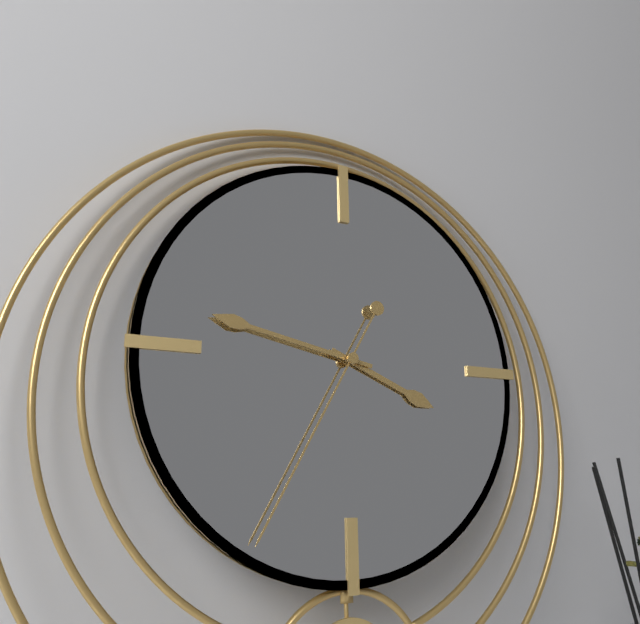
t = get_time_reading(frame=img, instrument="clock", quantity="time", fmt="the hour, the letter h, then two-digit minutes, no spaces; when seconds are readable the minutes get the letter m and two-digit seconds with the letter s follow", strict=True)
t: 3h47m35s
